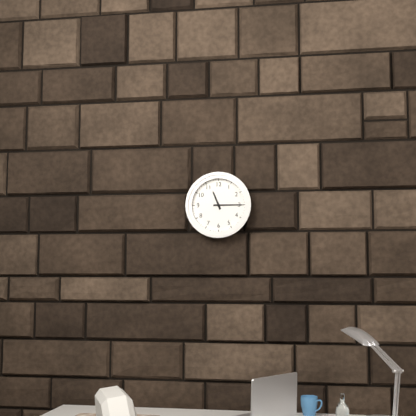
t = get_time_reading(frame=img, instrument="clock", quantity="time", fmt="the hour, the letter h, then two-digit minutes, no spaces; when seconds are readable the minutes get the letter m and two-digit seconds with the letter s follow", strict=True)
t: 11h15
